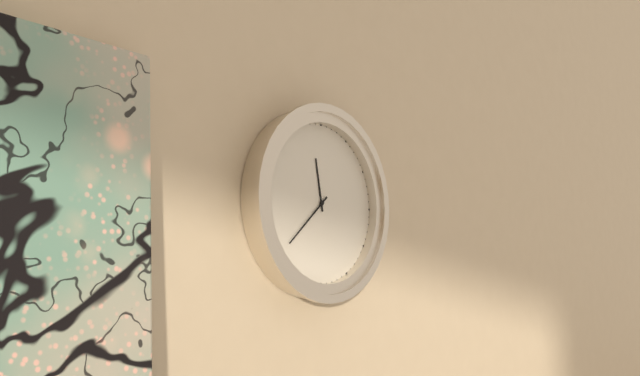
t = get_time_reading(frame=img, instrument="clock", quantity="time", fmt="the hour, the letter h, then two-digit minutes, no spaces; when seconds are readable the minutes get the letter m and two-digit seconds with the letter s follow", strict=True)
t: 11h38
